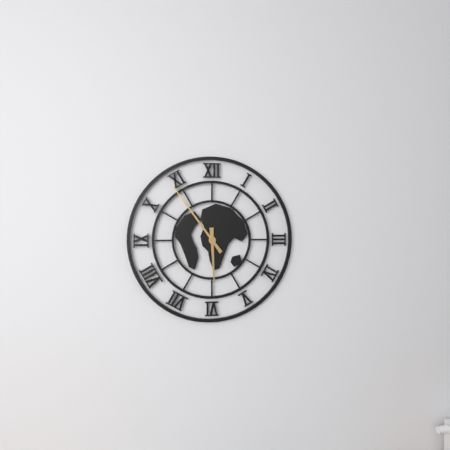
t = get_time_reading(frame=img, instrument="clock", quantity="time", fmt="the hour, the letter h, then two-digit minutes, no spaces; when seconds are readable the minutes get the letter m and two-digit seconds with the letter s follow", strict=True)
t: 5h54
